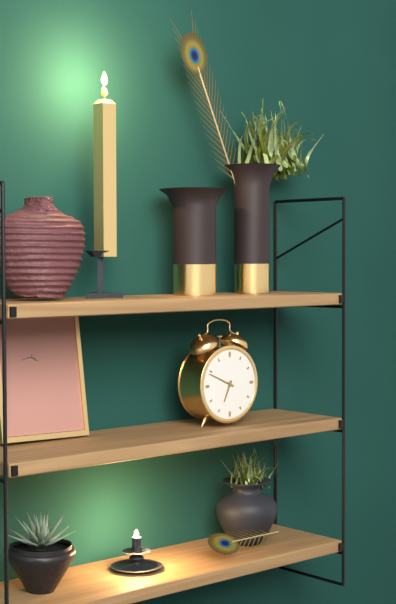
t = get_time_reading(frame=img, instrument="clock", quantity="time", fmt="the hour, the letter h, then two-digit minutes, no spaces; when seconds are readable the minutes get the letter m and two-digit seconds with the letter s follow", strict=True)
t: 6h49
